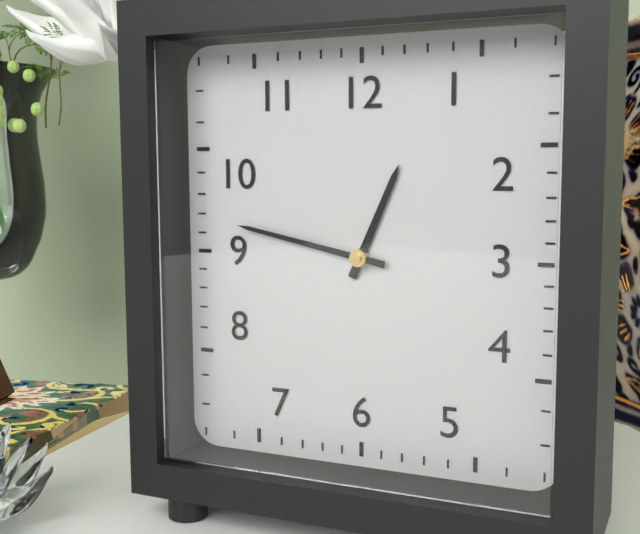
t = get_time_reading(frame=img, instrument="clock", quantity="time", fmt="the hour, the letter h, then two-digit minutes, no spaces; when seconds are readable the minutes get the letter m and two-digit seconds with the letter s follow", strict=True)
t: 12h47
